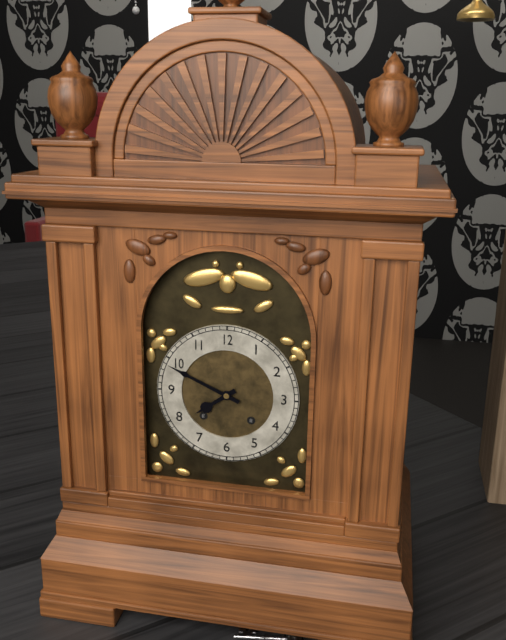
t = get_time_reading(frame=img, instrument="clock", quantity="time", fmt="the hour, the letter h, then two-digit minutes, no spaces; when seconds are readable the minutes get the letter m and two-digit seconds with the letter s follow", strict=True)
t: 7h49
